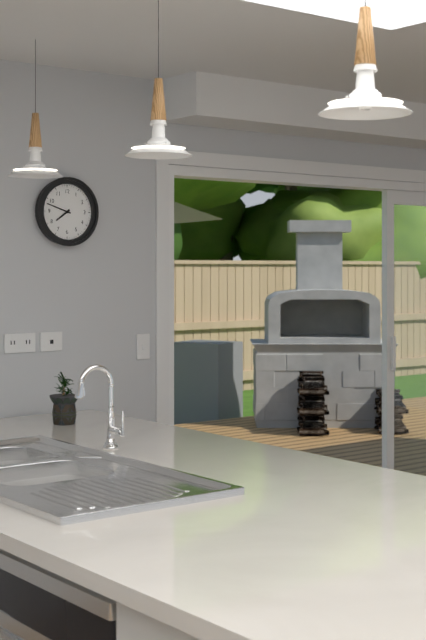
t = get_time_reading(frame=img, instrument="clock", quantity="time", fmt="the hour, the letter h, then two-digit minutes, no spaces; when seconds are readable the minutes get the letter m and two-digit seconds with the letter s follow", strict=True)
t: 7h48
